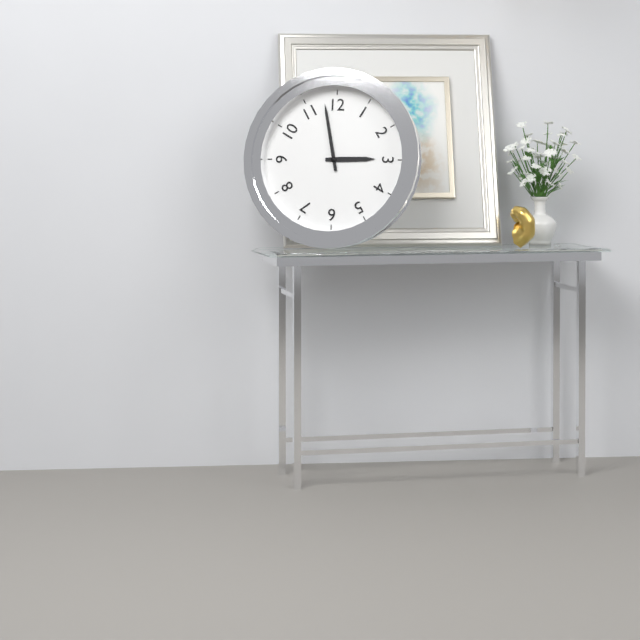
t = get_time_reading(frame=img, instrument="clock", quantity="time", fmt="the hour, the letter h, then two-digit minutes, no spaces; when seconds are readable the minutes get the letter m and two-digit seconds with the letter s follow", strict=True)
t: 2h58
